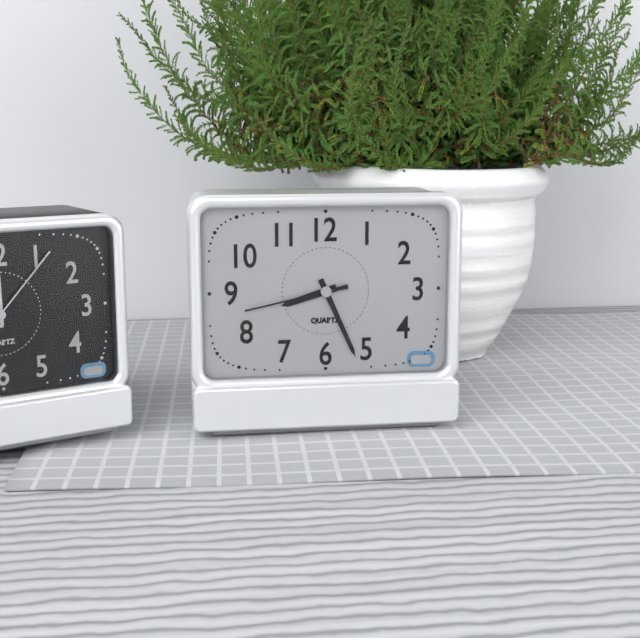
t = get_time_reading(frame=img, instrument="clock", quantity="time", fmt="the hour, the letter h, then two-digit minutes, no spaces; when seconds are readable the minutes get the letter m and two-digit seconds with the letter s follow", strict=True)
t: 8h26m43s
